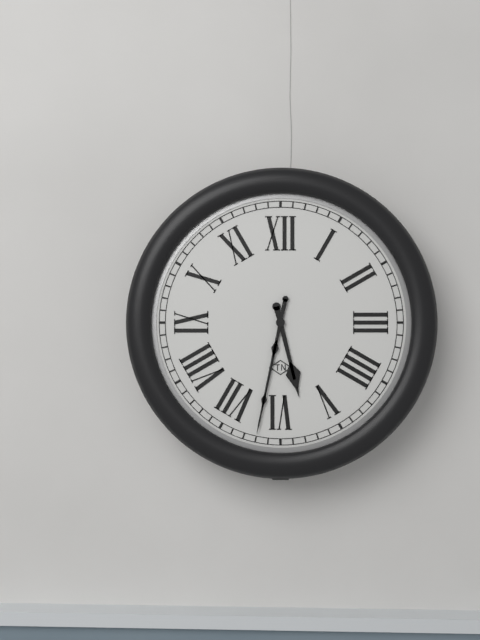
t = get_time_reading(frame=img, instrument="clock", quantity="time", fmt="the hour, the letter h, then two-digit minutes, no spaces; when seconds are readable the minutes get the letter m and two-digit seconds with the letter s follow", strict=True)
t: 5h32
